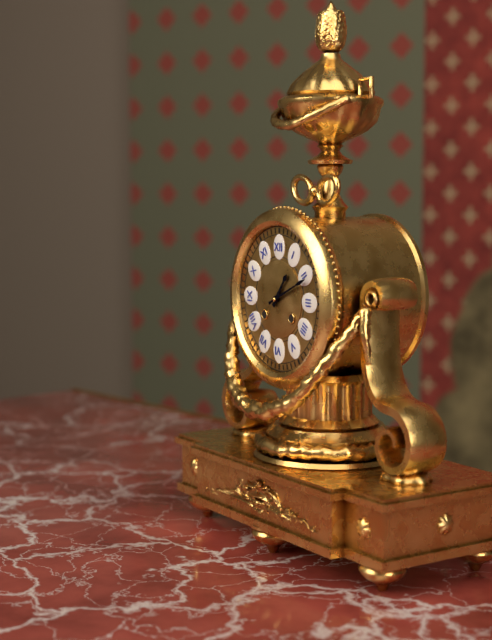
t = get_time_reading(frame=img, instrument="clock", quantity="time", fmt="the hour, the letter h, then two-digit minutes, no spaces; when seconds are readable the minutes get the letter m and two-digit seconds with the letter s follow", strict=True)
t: 1h11
